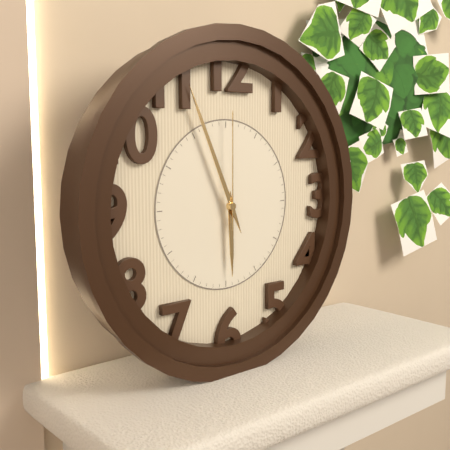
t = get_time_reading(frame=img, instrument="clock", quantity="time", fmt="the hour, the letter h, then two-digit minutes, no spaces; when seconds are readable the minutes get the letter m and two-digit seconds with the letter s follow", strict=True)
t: 5h56m00s
